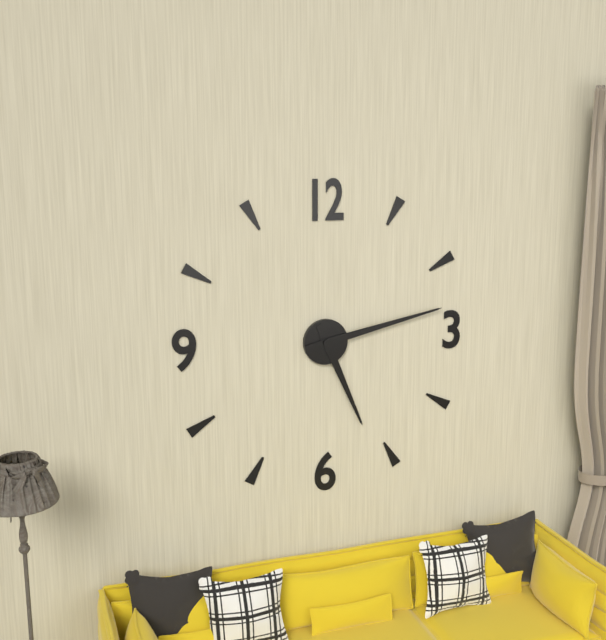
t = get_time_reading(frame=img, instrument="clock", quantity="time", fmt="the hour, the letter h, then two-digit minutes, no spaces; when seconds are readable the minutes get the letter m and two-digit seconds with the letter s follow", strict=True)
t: 5h13
